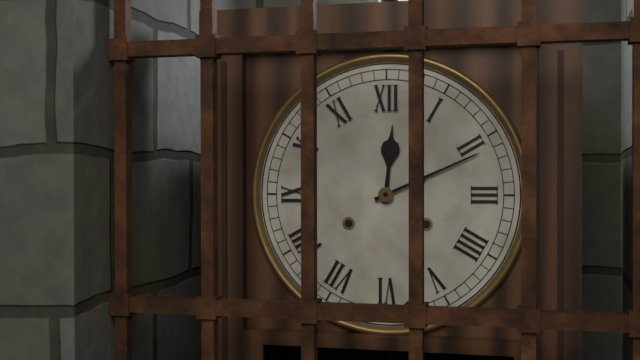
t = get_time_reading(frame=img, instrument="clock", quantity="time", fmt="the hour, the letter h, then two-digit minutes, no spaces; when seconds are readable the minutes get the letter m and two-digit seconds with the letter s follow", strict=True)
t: 12h11
